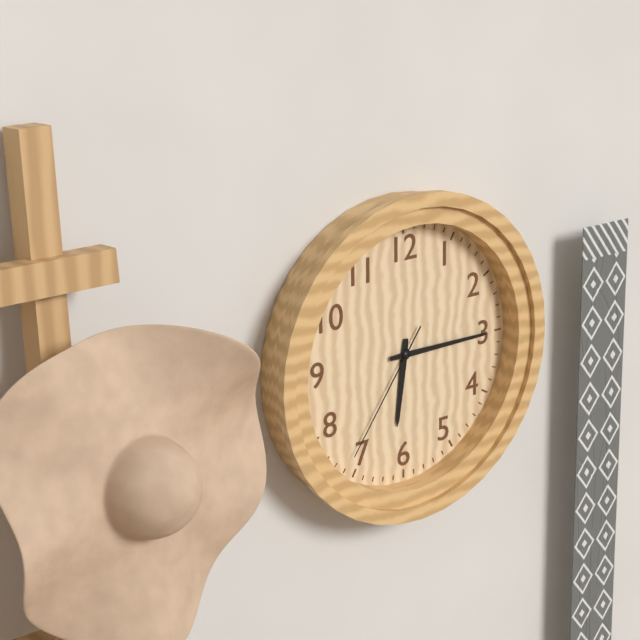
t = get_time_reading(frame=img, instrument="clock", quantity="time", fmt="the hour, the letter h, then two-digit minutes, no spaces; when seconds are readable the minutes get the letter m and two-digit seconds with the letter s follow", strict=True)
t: 6h15m36s
